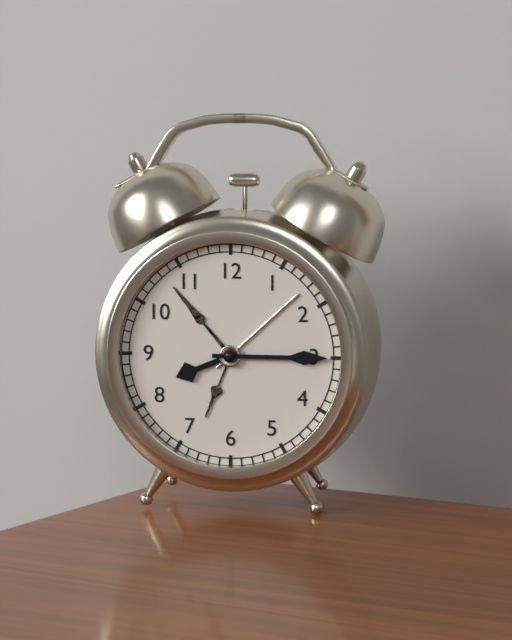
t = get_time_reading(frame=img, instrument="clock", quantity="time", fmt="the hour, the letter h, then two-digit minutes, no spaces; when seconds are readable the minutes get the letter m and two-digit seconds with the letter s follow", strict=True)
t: 8h15
